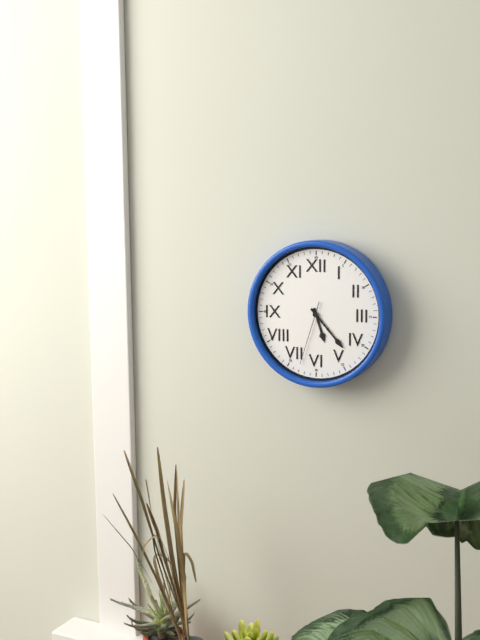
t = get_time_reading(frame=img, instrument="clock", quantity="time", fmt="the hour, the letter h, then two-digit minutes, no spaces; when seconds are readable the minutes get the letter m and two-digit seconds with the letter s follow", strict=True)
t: 5h23m33s
